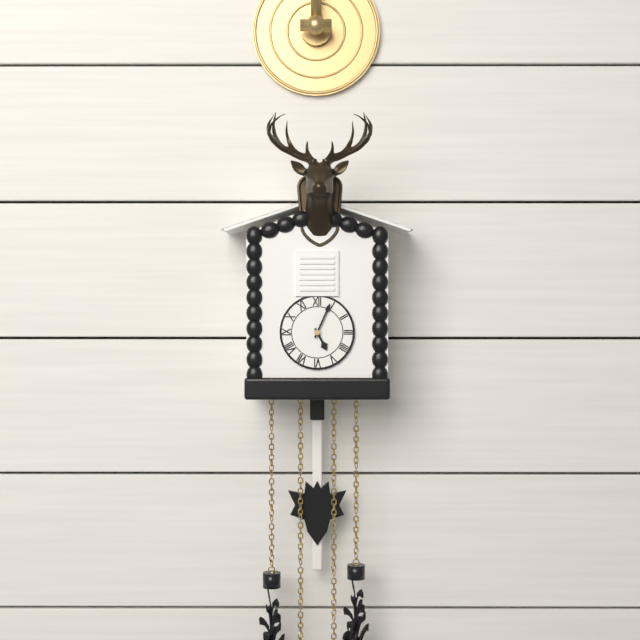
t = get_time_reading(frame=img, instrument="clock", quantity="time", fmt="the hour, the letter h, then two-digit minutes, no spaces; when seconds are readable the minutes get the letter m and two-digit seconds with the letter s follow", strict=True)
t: 5h04
